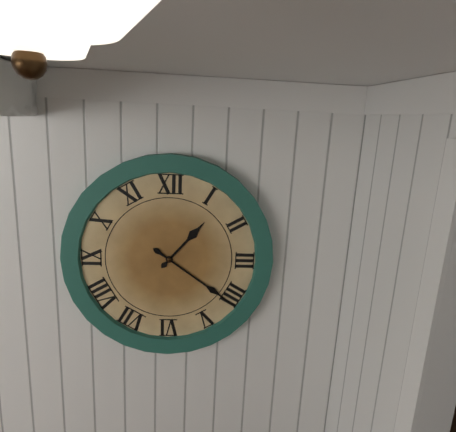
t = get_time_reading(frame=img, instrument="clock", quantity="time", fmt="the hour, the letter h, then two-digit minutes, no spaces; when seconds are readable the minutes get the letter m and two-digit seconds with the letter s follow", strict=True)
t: 1h21
